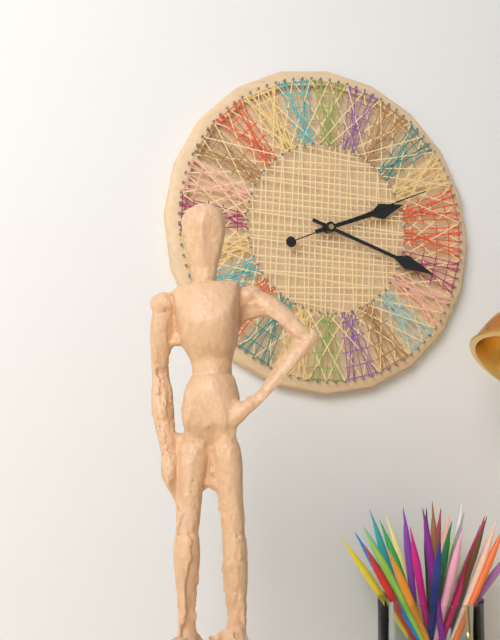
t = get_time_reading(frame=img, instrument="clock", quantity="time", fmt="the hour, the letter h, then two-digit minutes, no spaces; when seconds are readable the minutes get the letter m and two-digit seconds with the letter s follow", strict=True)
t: 2h18m11s
